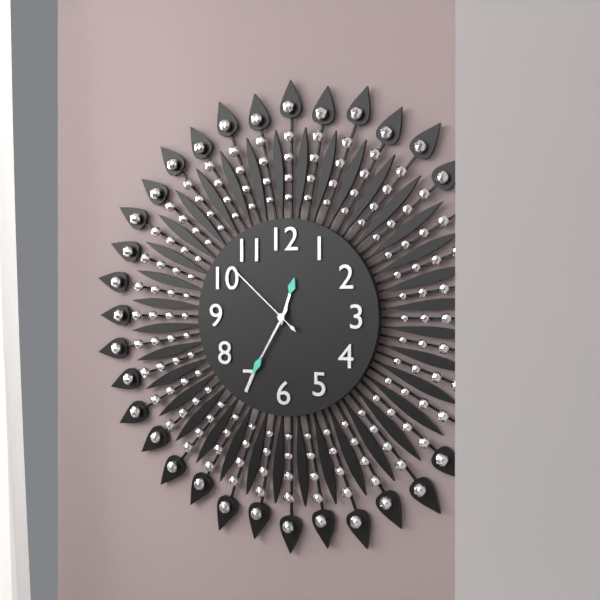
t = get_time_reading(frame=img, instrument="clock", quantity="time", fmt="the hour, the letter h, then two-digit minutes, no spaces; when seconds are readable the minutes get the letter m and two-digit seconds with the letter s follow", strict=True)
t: 12h35m52s
